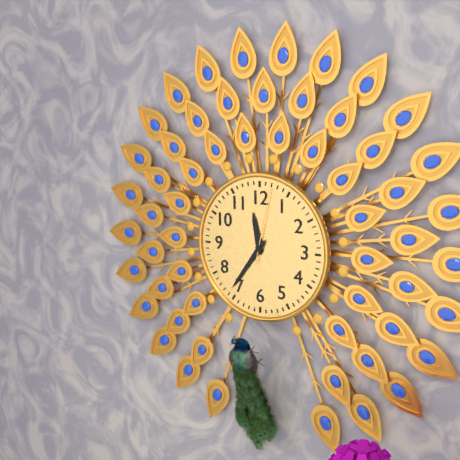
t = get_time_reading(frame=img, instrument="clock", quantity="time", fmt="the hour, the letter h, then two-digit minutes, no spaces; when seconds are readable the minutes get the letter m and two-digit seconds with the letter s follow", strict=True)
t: 11h36m02s
